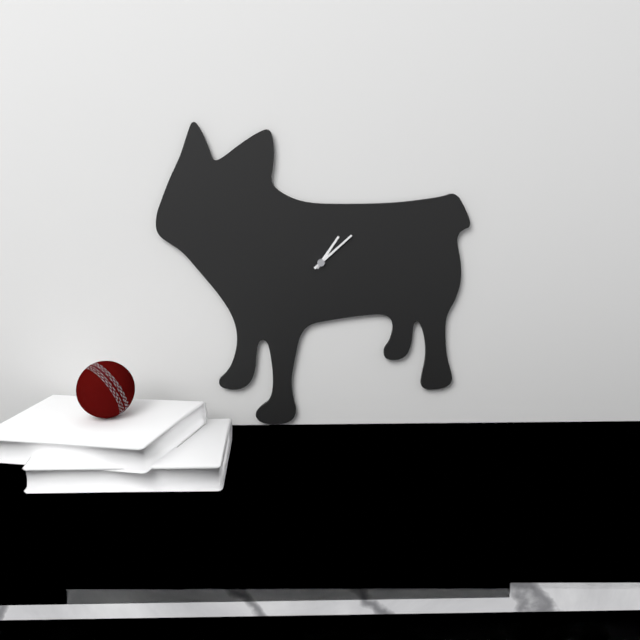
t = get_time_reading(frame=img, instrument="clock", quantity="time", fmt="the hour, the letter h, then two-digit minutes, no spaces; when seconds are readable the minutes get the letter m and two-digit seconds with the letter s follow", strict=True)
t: 1h08
